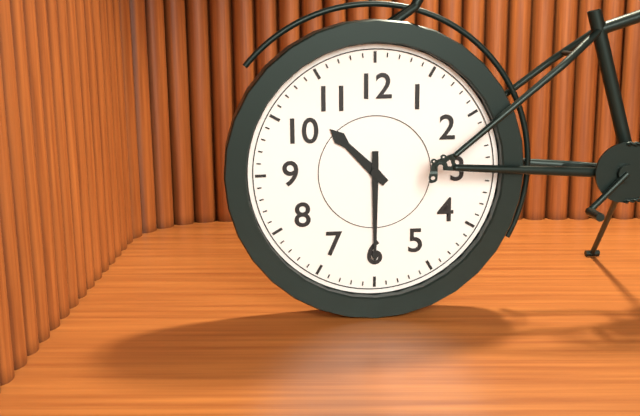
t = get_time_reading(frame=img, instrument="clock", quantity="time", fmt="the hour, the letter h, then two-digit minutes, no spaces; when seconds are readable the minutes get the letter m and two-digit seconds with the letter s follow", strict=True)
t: 10h30
